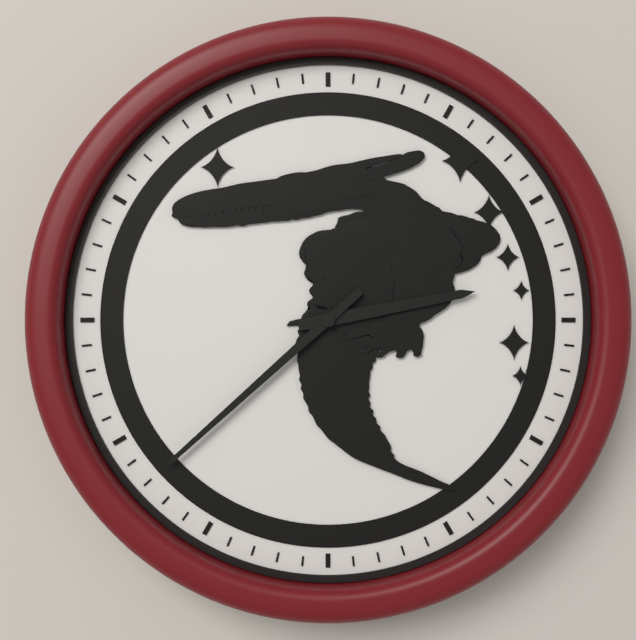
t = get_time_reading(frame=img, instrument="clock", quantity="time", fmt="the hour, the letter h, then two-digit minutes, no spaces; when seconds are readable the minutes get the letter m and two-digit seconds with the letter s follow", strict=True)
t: 2h38
